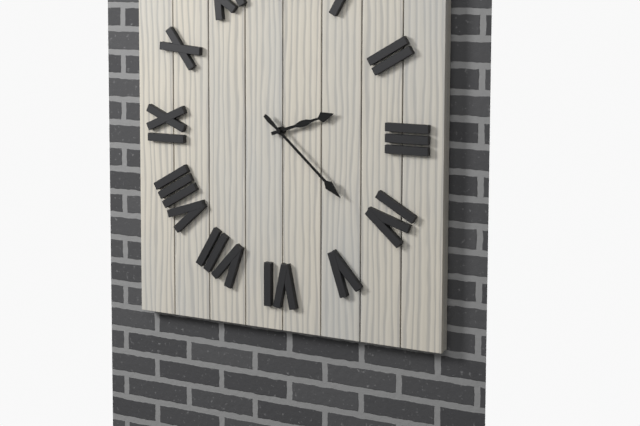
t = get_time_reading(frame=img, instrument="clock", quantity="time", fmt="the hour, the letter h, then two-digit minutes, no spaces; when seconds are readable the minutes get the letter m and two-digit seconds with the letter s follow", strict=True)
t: 2h22
